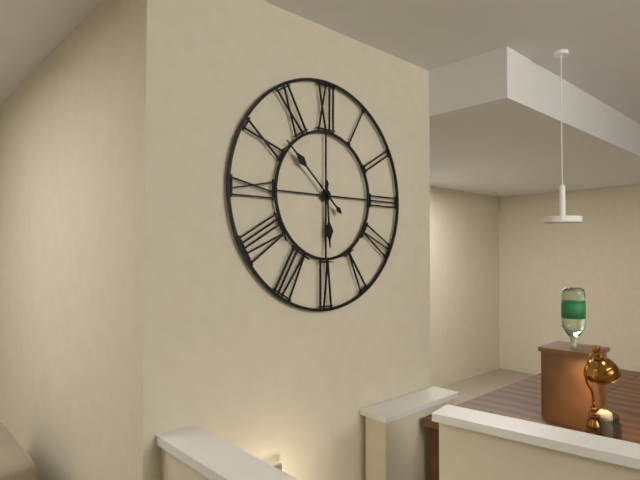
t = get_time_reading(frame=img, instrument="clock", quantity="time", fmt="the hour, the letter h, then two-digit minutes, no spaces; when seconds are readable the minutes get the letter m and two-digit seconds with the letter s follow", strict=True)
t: 5h52
